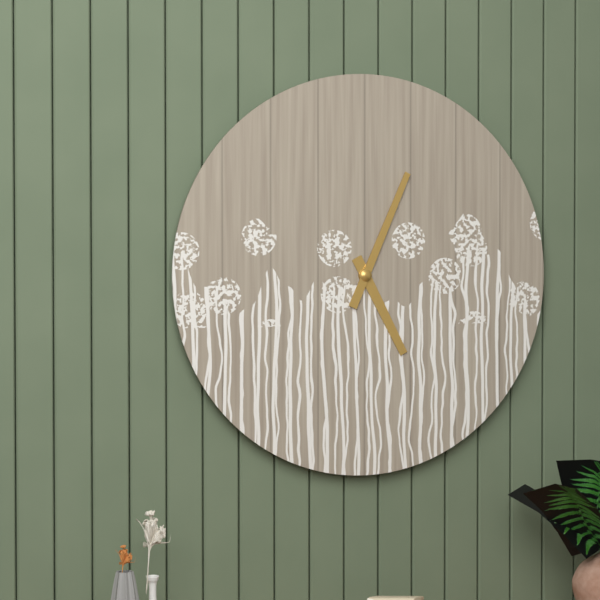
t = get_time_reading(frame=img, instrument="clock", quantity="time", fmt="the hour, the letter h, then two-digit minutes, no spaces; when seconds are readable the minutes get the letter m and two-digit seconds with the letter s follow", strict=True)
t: 5h04
